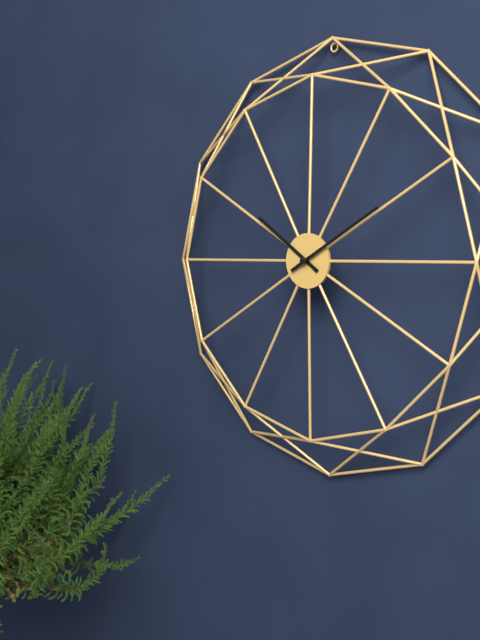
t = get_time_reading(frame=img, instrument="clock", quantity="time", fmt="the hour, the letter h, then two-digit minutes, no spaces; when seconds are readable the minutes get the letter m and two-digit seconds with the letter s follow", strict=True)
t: 10h10
